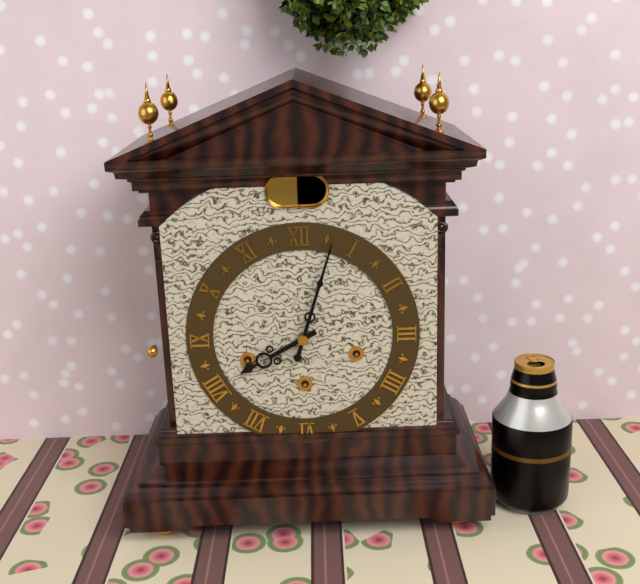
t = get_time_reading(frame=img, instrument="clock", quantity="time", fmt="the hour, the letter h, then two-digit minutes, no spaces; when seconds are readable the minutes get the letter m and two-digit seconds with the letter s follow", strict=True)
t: 8h03
